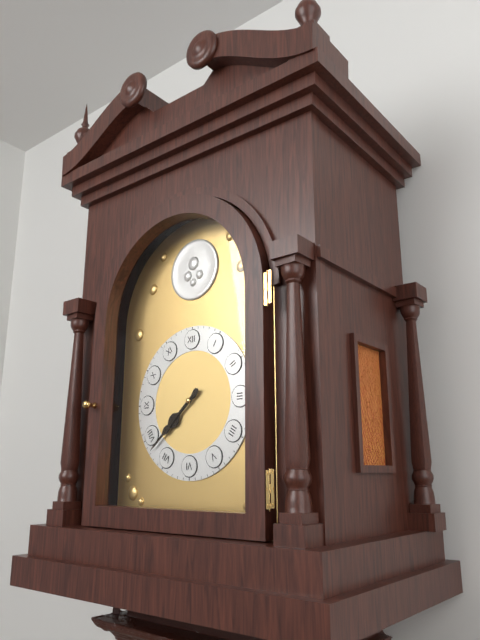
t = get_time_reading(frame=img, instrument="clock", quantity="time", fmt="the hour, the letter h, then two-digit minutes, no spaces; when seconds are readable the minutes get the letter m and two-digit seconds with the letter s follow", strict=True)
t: 7h38
